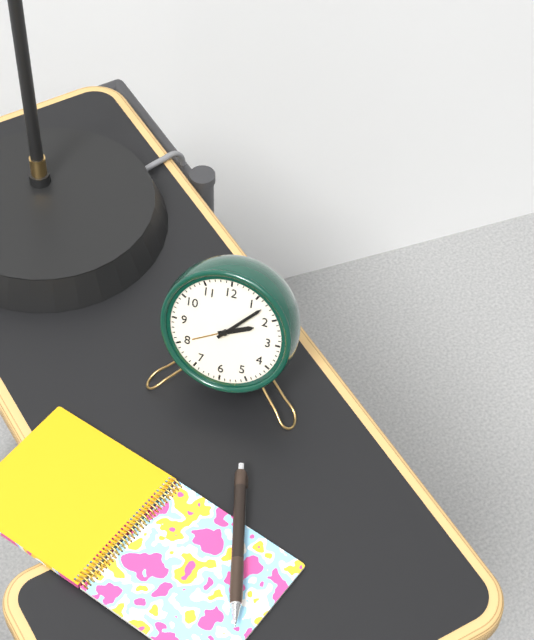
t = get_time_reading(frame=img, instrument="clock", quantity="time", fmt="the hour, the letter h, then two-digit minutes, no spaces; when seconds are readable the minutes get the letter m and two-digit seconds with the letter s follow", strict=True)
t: 2h07
